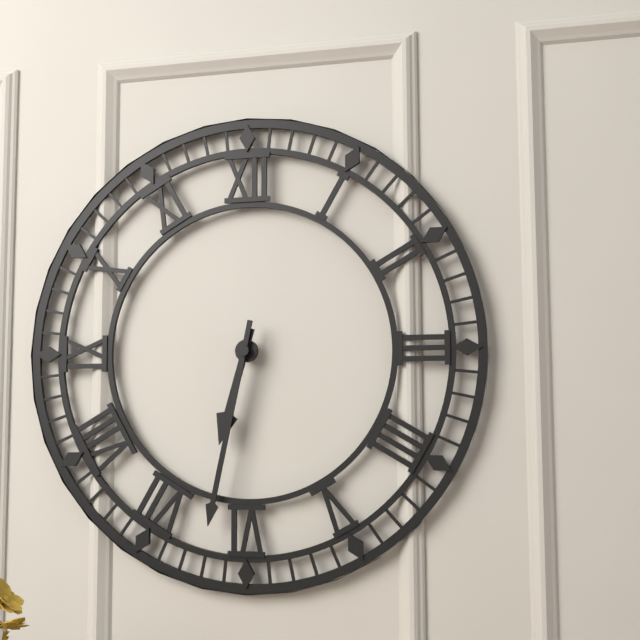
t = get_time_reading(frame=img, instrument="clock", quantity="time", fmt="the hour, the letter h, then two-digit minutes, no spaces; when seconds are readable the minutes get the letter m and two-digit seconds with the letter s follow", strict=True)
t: 6h32
